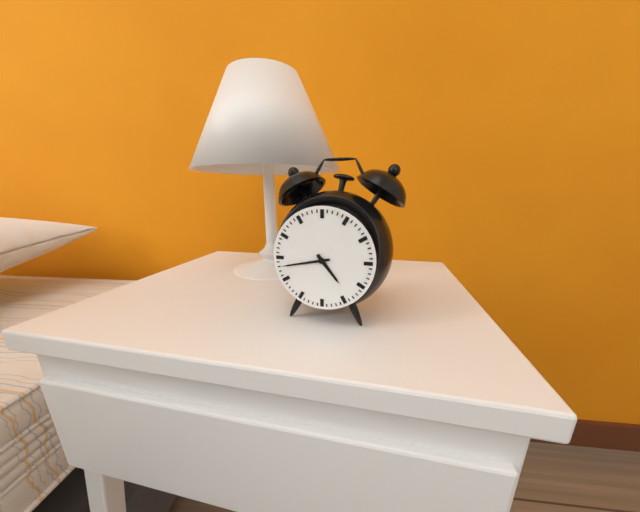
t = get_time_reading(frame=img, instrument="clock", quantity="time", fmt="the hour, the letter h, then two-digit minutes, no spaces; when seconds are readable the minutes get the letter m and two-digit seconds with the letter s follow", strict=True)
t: 4h43
